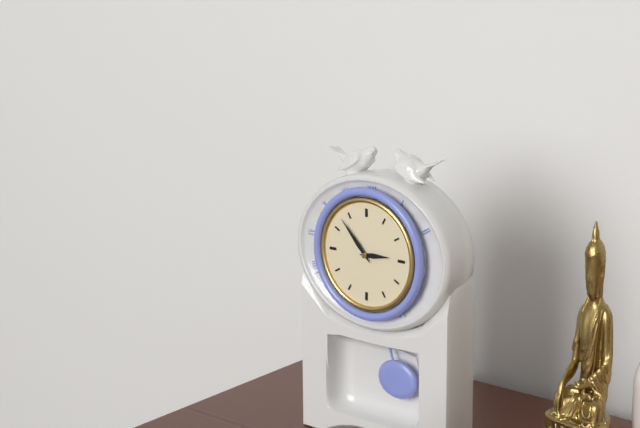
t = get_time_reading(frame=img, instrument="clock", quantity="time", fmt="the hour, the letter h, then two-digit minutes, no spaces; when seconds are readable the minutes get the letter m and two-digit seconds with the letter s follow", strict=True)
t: 2h53
